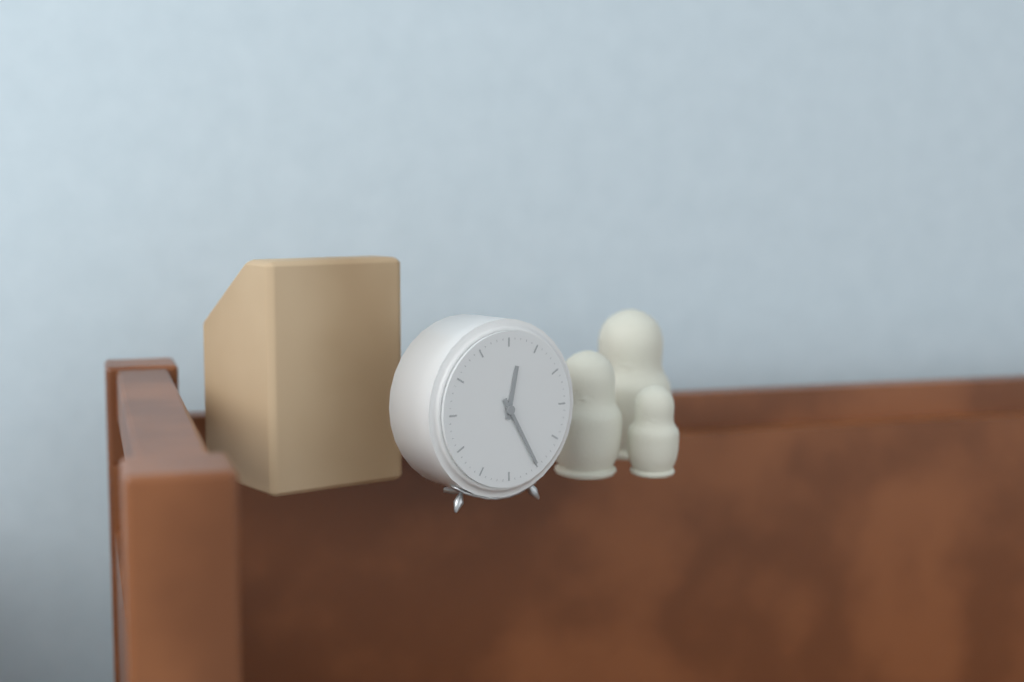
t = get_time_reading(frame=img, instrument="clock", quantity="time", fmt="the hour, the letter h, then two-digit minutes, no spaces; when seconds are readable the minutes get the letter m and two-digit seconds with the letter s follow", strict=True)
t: 12h25
